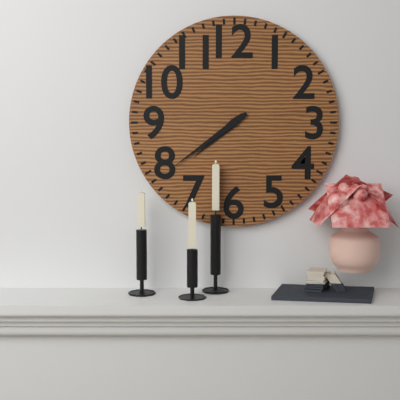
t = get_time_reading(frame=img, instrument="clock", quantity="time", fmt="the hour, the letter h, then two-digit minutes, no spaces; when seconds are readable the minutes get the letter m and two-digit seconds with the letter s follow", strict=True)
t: 7h39
